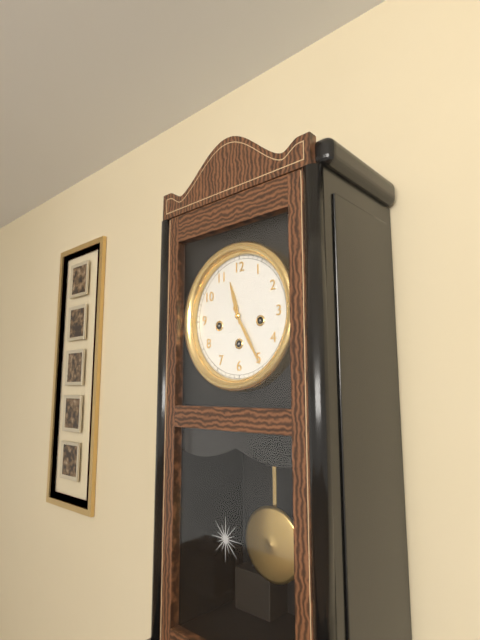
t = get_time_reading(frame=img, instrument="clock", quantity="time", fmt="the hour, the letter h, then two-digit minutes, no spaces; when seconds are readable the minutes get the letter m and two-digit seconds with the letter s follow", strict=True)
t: 11h25
